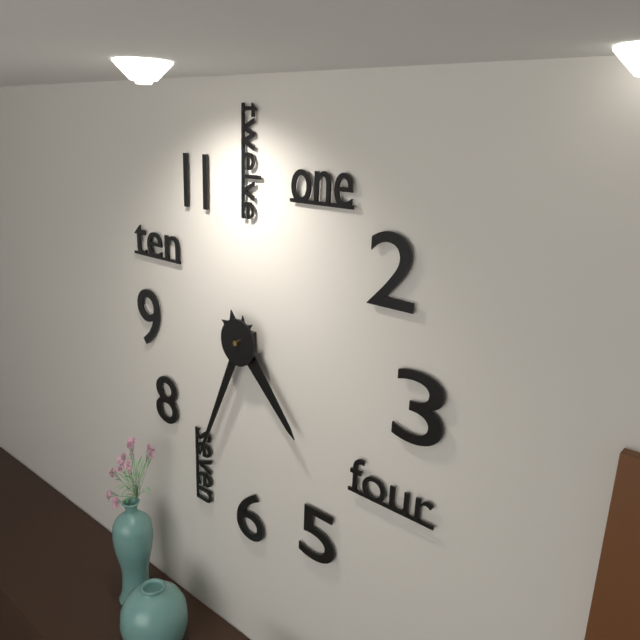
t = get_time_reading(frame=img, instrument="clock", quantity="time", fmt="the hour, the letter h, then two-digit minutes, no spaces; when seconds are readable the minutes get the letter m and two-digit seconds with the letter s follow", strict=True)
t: 4h34
